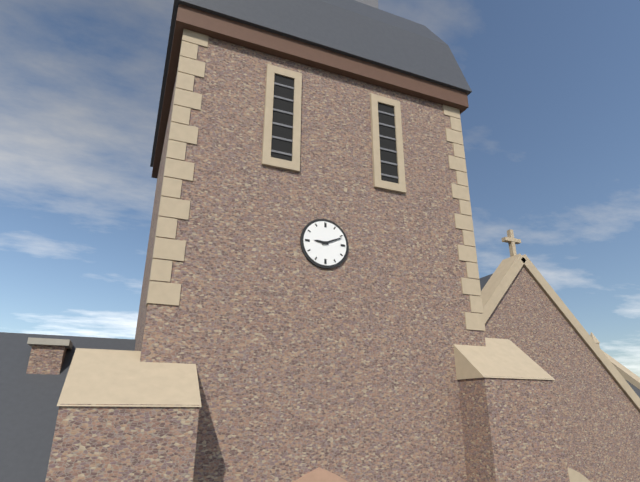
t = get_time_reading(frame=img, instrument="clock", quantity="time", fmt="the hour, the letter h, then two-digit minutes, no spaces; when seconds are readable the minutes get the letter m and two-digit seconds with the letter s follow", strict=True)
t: 9h11
